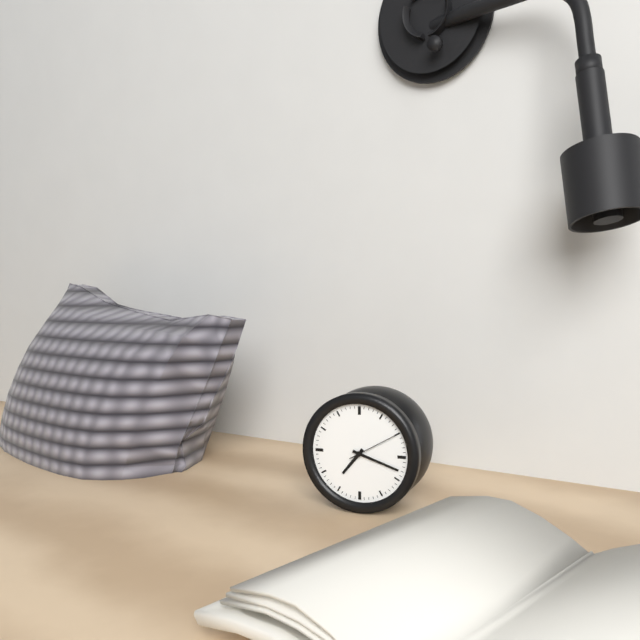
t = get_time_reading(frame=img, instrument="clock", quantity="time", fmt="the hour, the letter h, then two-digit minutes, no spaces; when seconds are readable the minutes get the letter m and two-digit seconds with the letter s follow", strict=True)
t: 7h18m10s
